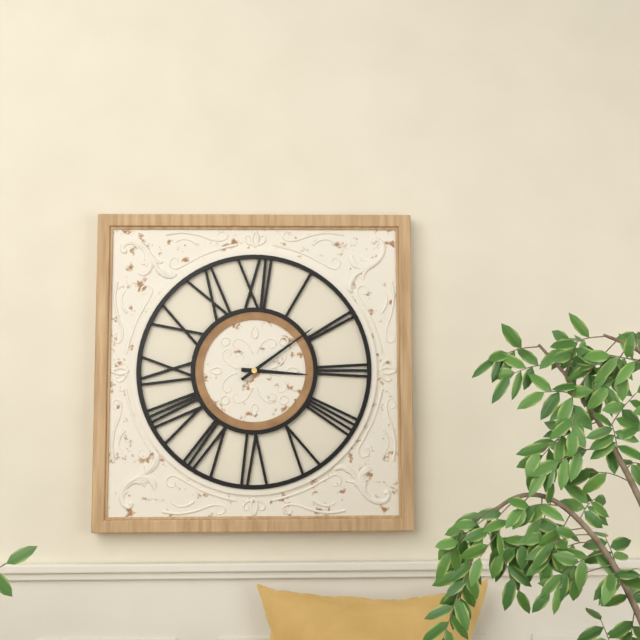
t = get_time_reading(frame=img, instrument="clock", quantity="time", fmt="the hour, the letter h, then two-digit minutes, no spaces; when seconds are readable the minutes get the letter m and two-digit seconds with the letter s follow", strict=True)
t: 3h09
